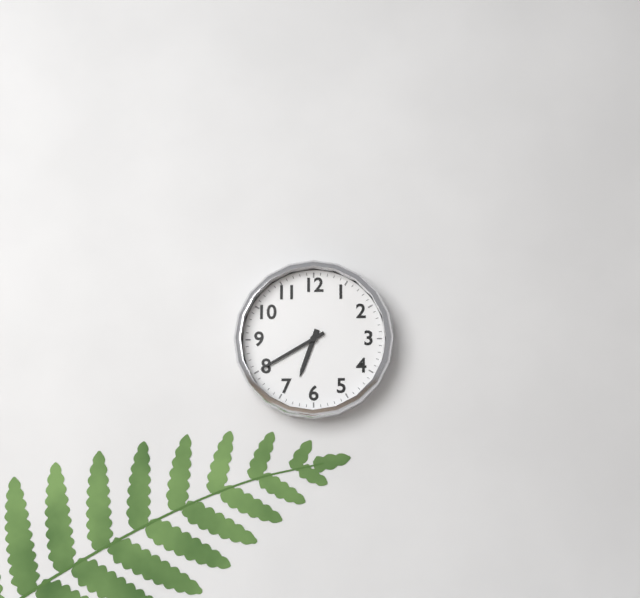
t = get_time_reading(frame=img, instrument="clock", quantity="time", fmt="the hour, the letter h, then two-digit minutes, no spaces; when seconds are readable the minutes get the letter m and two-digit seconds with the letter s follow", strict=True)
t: 6h40
